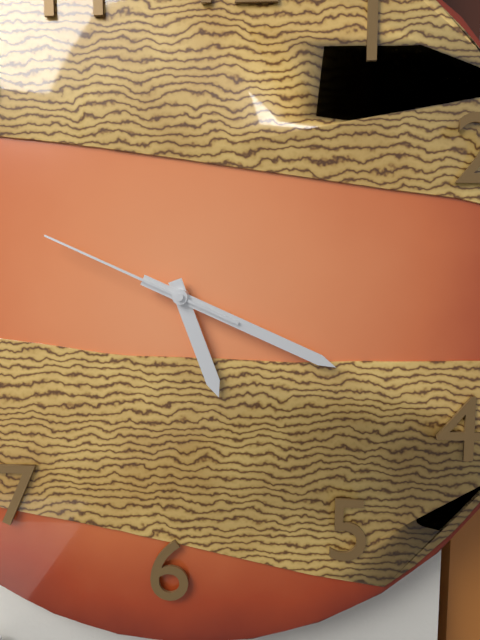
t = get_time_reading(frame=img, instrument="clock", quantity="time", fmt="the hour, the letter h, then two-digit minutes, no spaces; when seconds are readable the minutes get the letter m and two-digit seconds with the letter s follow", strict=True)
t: 5h19m49s
